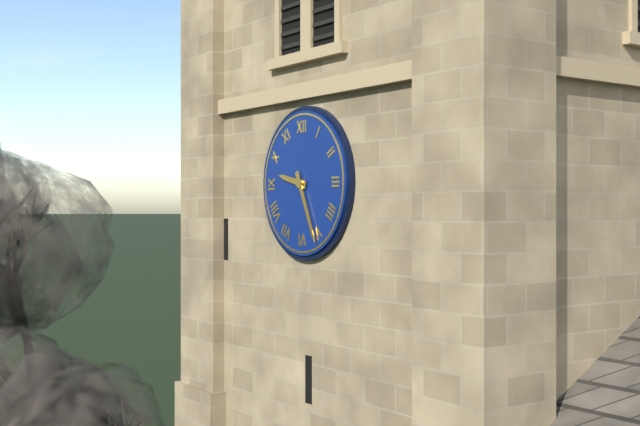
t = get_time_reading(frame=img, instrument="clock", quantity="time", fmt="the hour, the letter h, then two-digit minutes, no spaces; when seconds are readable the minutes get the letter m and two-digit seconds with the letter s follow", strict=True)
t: 9h26
